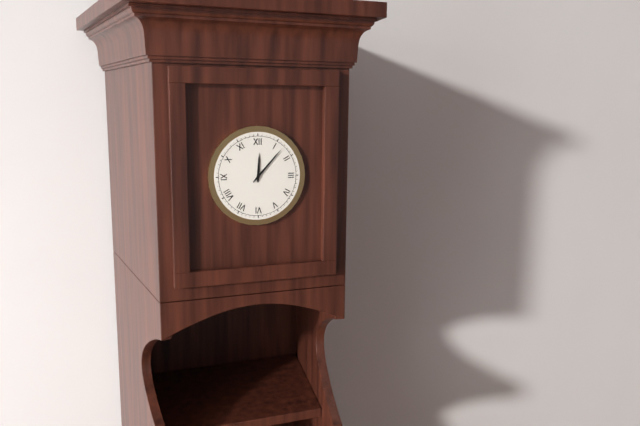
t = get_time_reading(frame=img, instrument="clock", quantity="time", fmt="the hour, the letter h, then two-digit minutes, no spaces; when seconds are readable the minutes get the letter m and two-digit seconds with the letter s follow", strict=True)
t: 12h07
